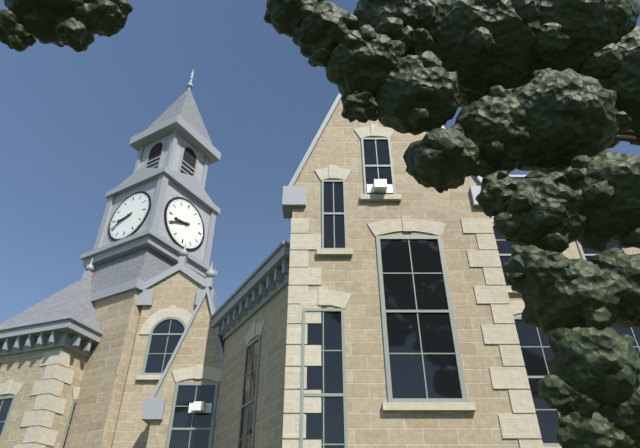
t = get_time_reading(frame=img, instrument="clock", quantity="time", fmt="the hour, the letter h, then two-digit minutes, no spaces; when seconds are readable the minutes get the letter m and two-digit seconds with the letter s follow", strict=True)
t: 8h41
